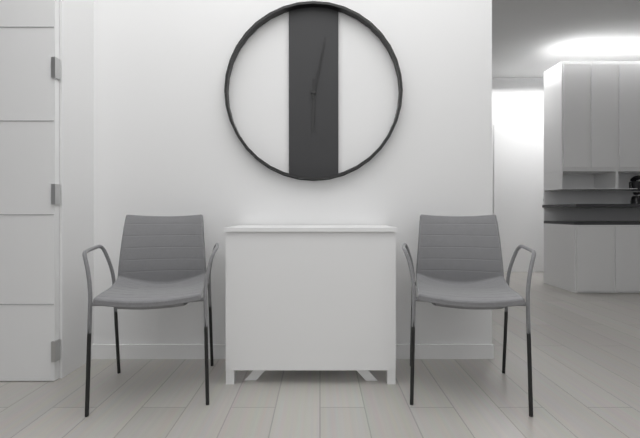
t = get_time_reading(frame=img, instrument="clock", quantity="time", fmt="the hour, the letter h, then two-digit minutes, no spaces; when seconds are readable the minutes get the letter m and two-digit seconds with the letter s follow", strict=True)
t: 6h02
